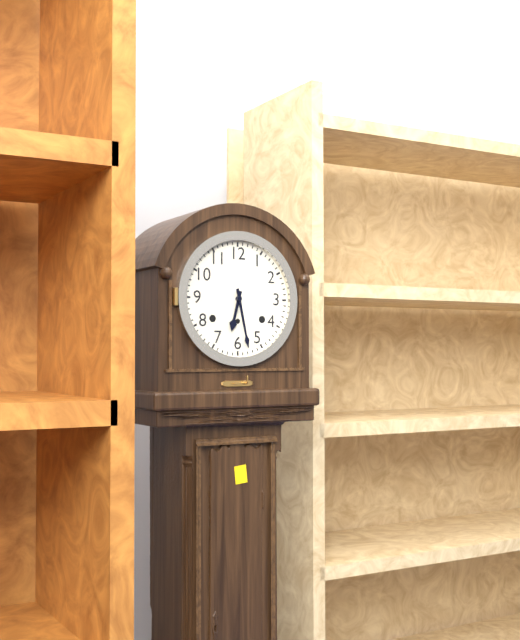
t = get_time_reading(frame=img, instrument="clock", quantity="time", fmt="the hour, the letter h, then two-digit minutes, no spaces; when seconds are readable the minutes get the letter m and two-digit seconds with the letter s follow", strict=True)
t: 6h28
